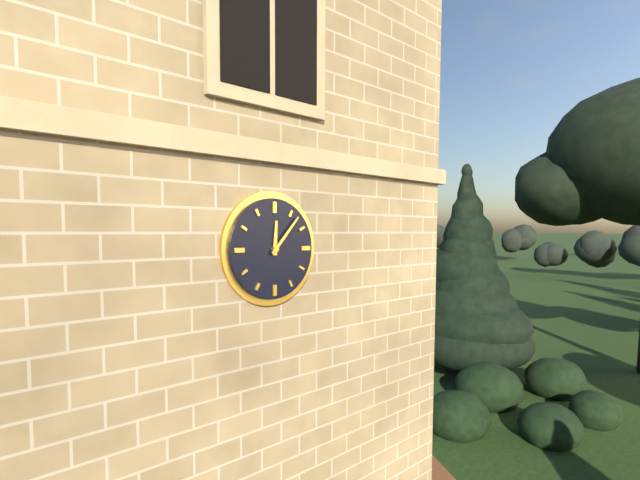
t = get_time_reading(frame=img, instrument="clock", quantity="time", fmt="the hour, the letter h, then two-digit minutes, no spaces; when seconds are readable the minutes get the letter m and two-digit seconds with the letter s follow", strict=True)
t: 12h07
